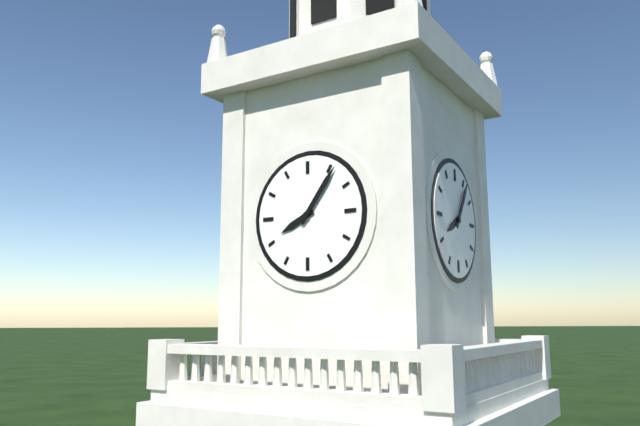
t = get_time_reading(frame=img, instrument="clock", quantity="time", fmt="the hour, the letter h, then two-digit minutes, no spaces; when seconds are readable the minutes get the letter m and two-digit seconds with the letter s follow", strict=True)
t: 8h06
